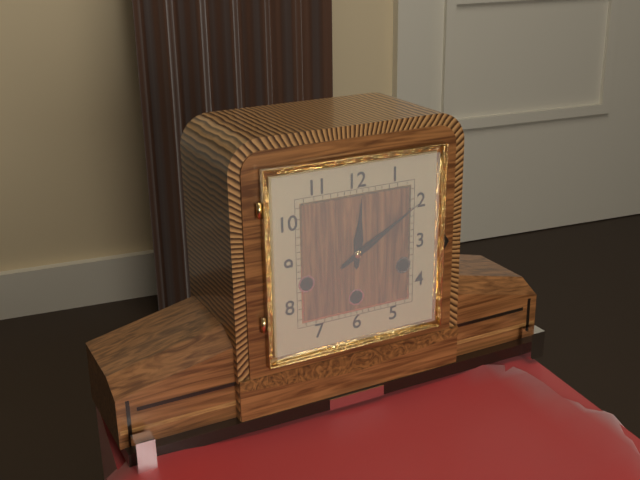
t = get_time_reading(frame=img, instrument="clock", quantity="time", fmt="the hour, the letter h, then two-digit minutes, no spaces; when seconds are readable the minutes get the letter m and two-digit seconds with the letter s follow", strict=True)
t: 12h10
